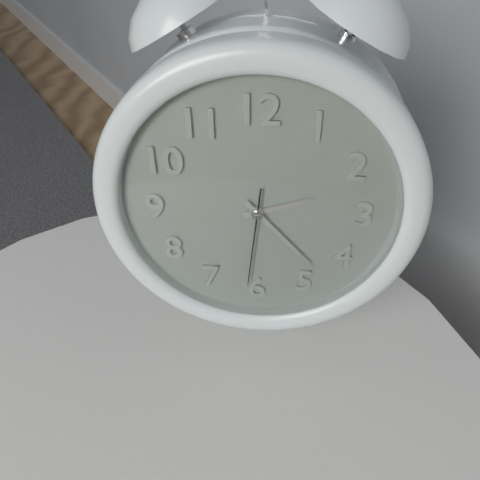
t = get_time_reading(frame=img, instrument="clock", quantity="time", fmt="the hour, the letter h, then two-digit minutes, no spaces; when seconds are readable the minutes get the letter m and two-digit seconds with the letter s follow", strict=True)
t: 2h23m31s
